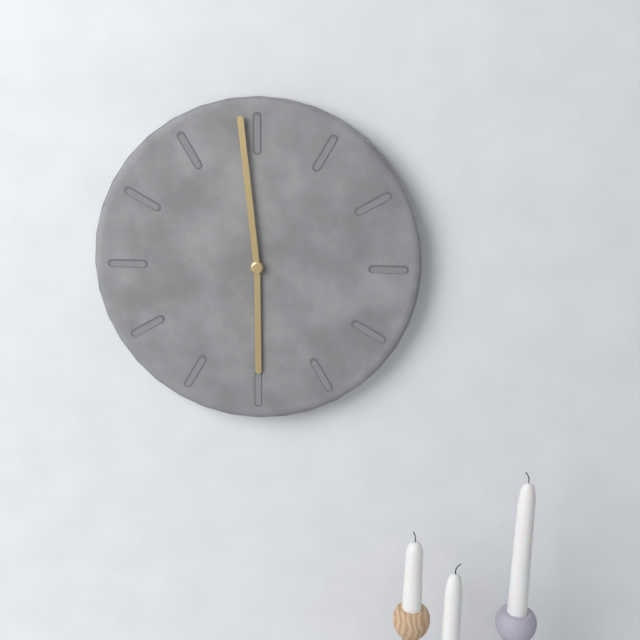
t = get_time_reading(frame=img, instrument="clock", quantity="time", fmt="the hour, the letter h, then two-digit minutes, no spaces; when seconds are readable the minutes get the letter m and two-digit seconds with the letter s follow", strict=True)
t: 5h59
